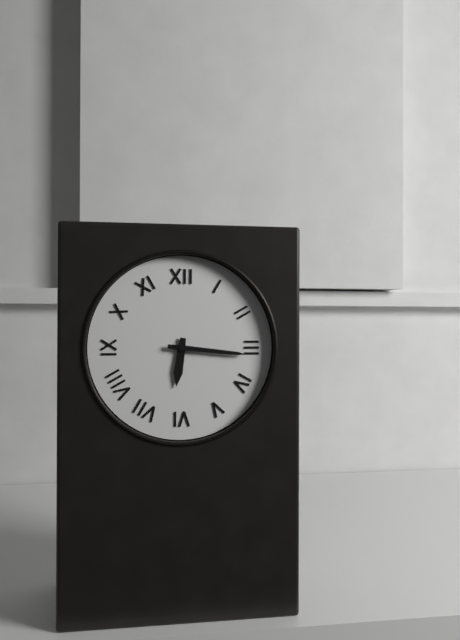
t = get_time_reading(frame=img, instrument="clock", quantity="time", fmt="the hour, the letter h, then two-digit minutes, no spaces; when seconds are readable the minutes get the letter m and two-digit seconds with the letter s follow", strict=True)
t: 6h16
